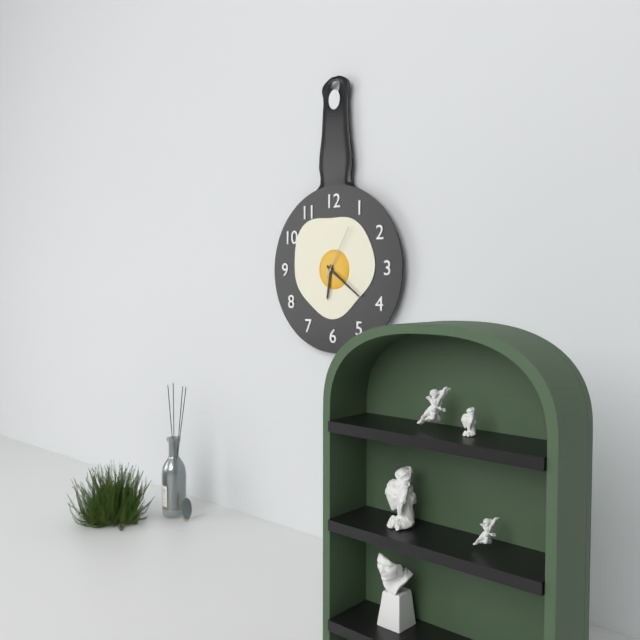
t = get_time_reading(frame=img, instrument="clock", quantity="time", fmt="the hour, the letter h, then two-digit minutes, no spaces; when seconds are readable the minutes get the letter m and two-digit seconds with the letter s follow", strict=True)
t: 6h21m05s
